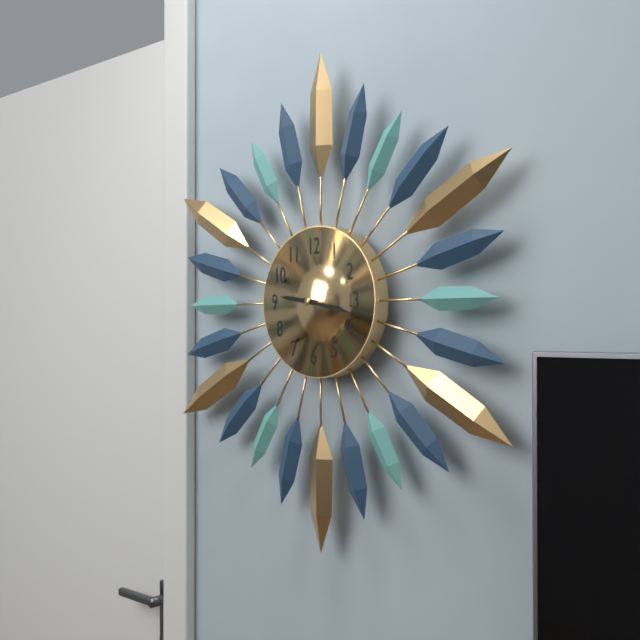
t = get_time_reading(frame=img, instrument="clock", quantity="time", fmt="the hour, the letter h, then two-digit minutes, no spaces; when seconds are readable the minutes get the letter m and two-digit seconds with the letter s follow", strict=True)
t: 9h17
